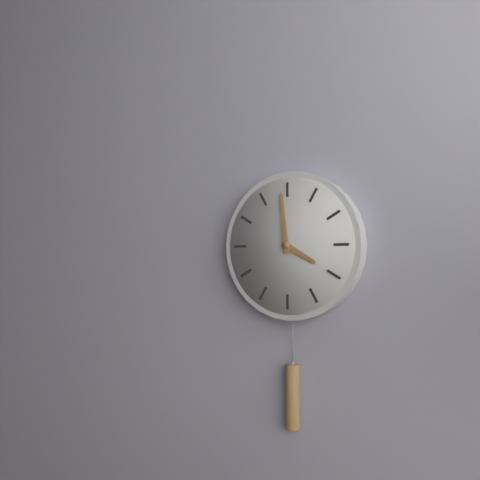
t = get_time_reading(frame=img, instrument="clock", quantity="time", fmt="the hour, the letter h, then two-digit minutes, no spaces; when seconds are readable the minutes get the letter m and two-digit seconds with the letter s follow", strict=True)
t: 3h59
